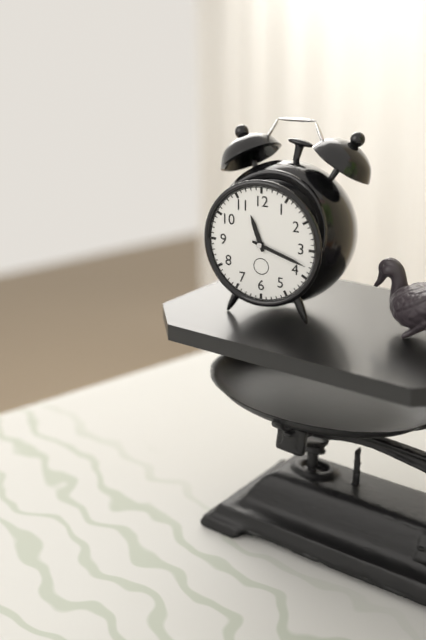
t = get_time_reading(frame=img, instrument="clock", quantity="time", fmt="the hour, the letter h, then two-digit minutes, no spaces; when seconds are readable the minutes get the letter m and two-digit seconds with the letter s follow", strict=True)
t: 11h18
